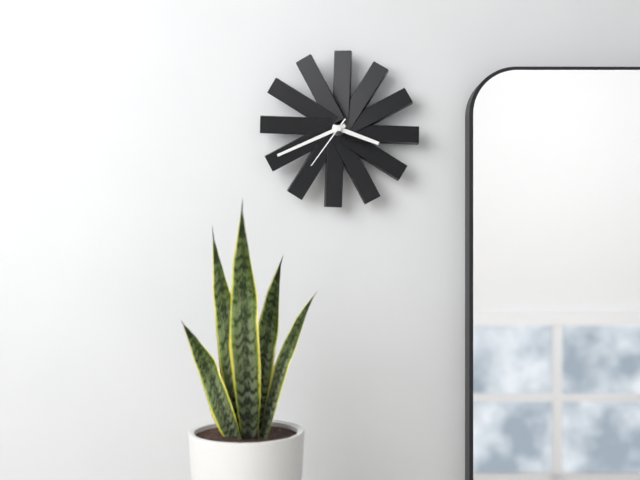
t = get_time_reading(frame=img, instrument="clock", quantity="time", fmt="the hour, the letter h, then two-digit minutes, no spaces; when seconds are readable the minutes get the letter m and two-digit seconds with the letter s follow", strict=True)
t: 3h41m36s
